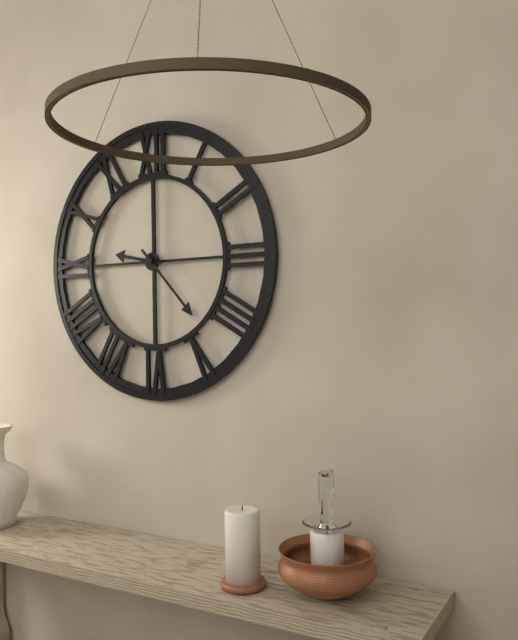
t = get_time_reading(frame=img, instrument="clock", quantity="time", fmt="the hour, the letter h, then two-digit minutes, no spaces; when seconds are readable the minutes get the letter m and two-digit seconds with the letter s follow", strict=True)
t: 9h23
